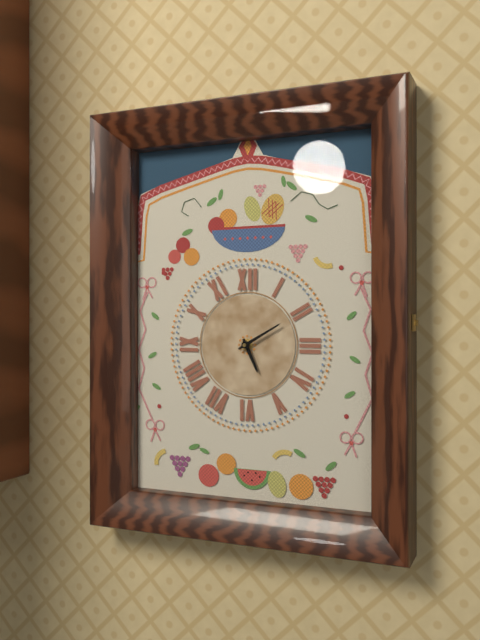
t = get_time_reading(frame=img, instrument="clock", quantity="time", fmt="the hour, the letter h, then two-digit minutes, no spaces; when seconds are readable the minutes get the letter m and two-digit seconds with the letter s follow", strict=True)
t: 5h10
